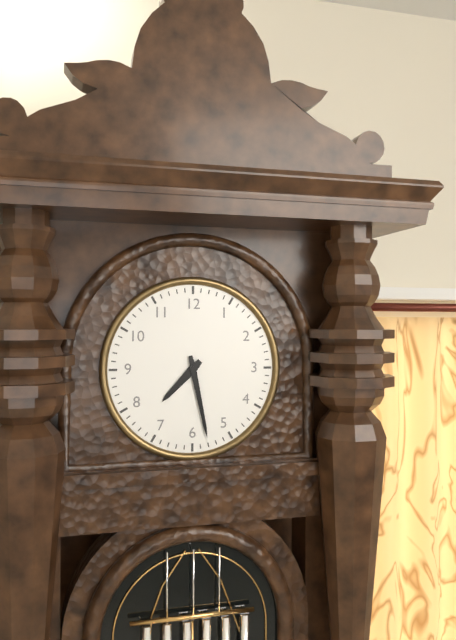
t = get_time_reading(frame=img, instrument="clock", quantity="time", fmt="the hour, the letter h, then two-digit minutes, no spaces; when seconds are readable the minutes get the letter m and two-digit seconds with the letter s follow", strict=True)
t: 7h28
